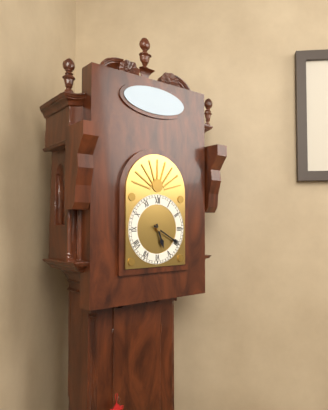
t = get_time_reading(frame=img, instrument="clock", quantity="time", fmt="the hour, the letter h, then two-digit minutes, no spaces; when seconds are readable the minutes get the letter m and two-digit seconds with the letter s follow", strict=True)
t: 5h20
